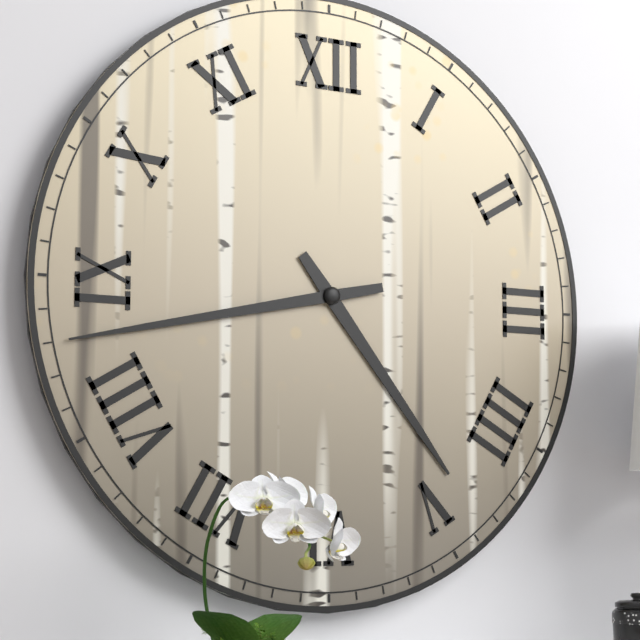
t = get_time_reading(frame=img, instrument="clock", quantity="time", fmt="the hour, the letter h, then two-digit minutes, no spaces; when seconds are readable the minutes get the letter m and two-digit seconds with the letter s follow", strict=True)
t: 4h43
